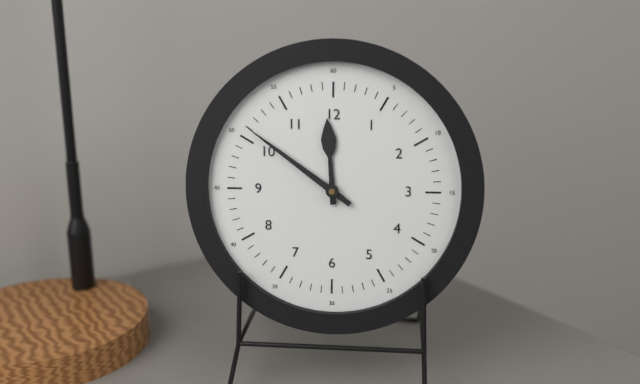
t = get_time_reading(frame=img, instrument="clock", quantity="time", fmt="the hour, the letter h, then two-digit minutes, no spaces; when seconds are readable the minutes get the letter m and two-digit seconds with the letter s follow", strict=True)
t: 11h51
